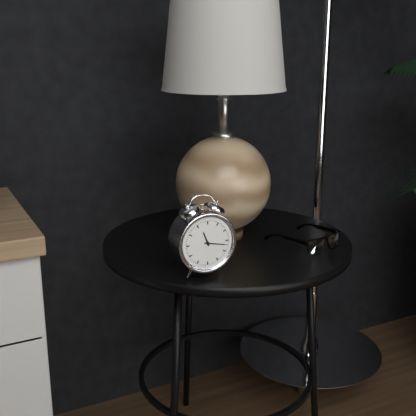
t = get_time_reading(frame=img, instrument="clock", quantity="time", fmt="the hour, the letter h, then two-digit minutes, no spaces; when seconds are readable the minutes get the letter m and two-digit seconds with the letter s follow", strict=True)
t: 11h17
